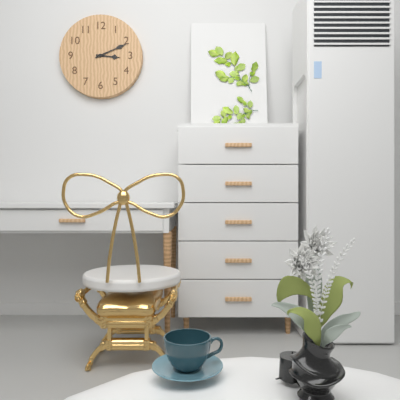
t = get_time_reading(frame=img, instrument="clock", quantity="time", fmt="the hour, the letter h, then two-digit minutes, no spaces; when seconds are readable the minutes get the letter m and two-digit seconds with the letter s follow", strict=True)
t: 3h11
